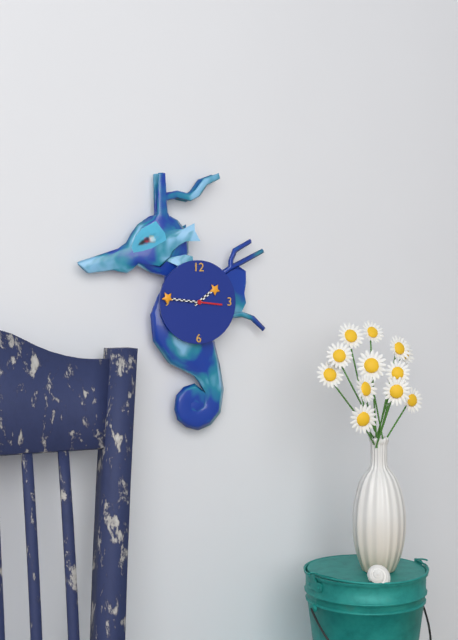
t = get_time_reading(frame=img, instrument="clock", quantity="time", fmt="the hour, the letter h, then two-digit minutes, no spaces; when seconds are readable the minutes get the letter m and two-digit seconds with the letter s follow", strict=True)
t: 1h46
